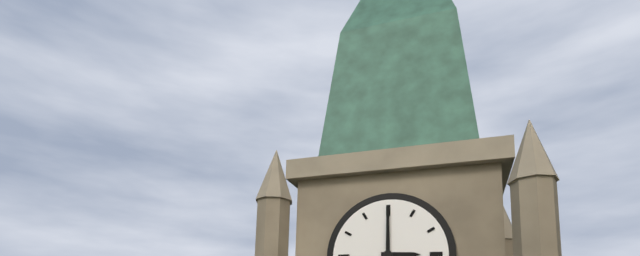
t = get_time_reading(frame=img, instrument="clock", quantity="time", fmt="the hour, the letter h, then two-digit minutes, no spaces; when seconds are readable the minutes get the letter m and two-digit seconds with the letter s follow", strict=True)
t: 3h00
